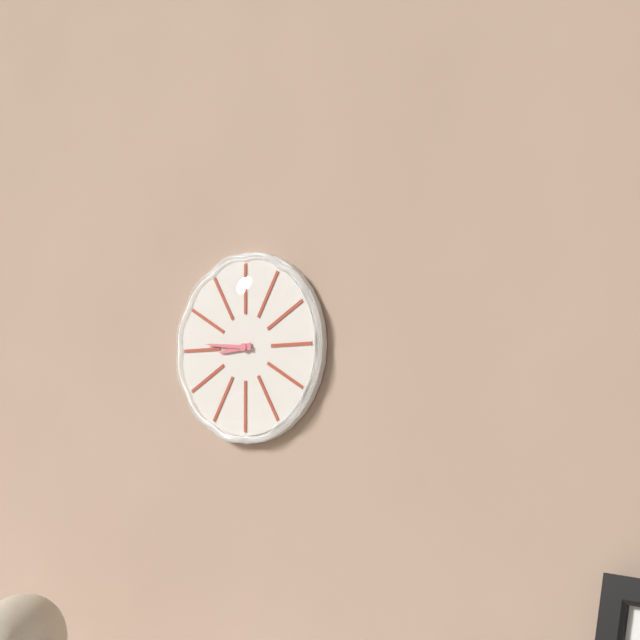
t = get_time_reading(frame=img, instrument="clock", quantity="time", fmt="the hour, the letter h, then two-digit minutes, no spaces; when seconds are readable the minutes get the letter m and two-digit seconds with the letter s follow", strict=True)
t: 8h46
